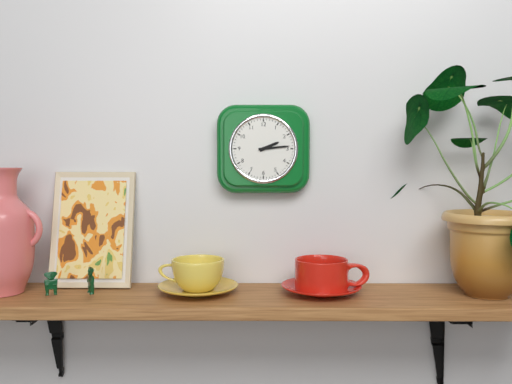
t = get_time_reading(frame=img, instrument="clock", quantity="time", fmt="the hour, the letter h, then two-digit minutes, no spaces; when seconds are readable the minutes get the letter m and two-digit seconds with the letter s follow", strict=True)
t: 2h14
